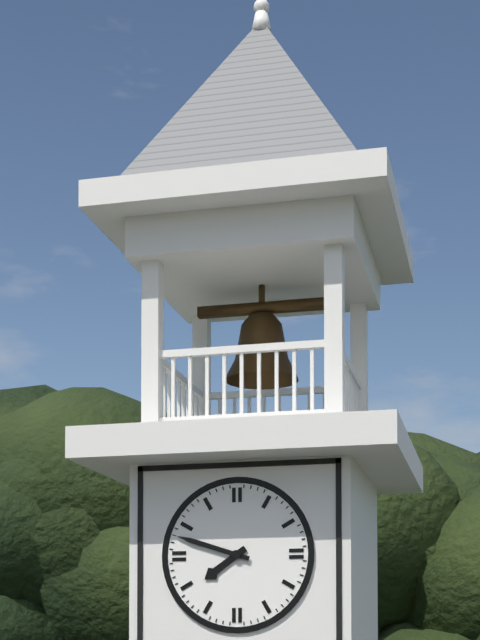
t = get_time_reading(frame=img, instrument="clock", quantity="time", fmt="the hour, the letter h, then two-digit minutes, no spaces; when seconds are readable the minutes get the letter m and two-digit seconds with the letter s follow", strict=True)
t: 7h48
